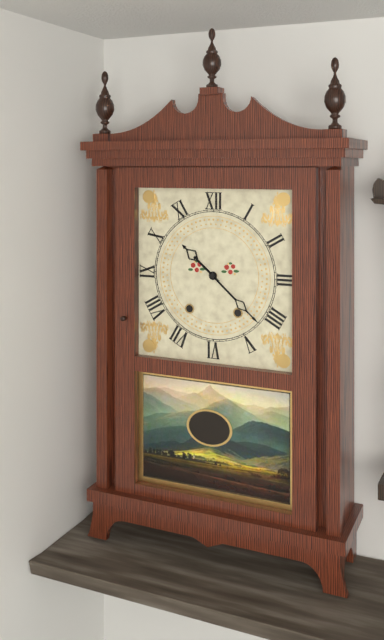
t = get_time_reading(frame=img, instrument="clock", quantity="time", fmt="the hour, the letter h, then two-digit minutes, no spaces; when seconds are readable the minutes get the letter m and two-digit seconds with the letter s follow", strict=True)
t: 10h22
